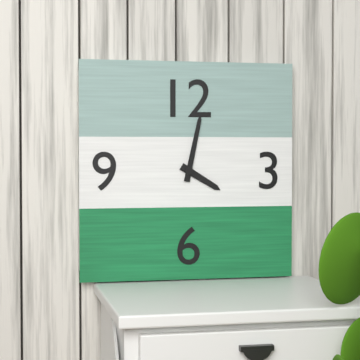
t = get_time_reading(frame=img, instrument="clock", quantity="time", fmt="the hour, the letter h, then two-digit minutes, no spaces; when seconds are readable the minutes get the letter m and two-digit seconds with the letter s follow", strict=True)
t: 4h02
